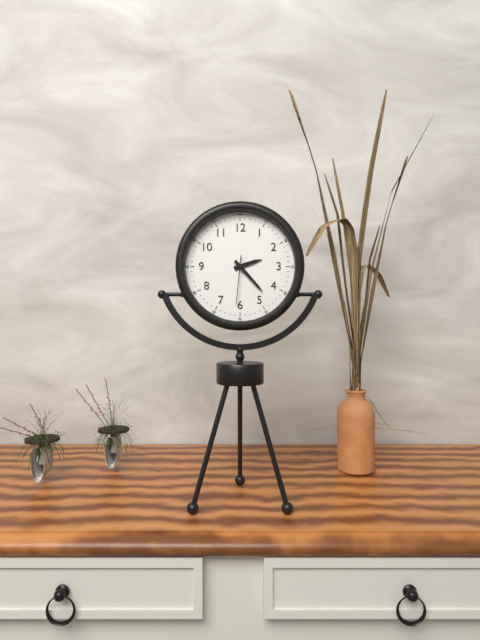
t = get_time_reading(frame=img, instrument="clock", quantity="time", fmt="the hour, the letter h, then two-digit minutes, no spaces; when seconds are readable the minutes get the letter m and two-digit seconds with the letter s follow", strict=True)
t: 2h23
